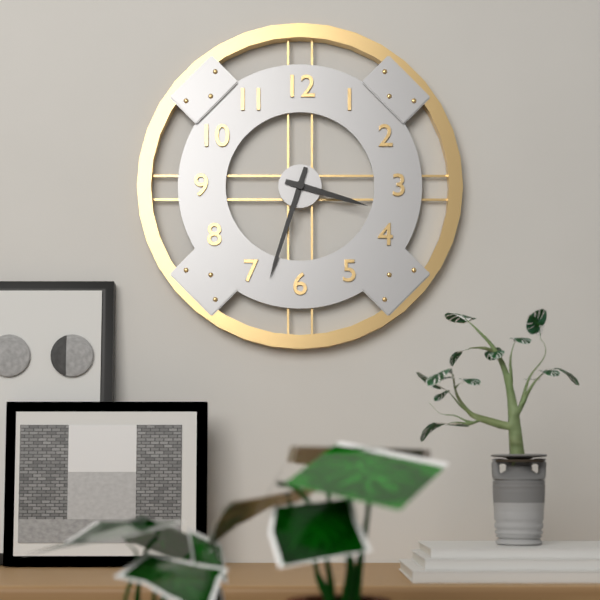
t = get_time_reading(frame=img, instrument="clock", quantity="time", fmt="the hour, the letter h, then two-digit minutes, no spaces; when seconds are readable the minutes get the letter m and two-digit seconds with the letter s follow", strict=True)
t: 3h33
